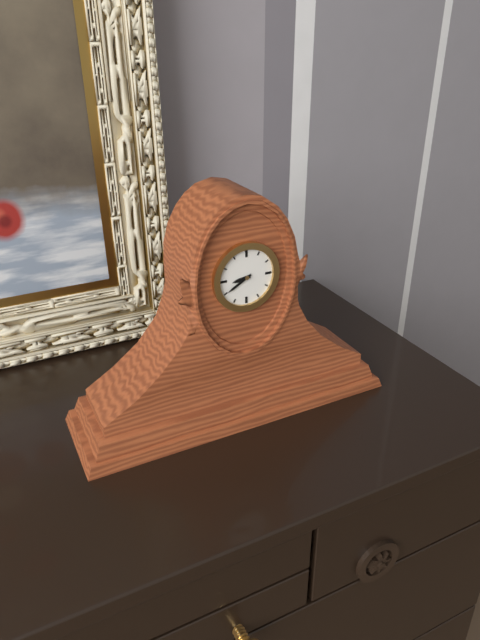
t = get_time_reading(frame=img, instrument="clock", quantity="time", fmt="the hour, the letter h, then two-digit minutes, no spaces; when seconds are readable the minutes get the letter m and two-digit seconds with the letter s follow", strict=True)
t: 8h40
